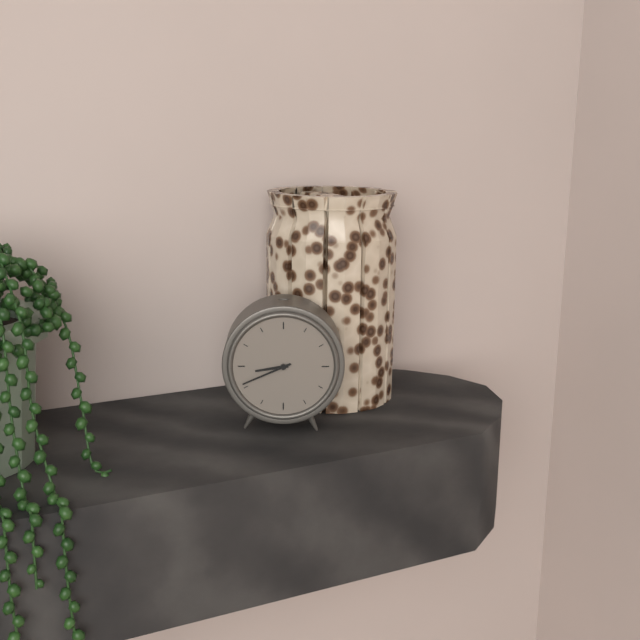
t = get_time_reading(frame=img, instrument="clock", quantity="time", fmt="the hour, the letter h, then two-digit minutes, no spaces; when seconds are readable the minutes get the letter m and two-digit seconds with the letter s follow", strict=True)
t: 8h41
